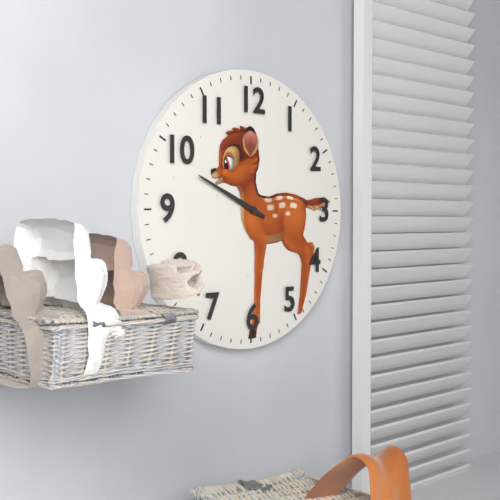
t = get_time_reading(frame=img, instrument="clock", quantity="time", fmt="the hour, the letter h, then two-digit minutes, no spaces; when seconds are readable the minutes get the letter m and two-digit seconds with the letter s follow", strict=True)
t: 9h49
